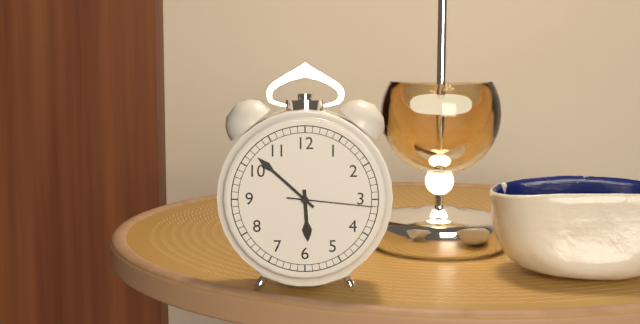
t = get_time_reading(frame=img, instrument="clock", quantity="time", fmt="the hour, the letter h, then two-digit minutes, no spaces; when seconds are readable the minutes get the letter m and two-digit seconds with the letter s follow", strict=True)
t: 5h52m16s
